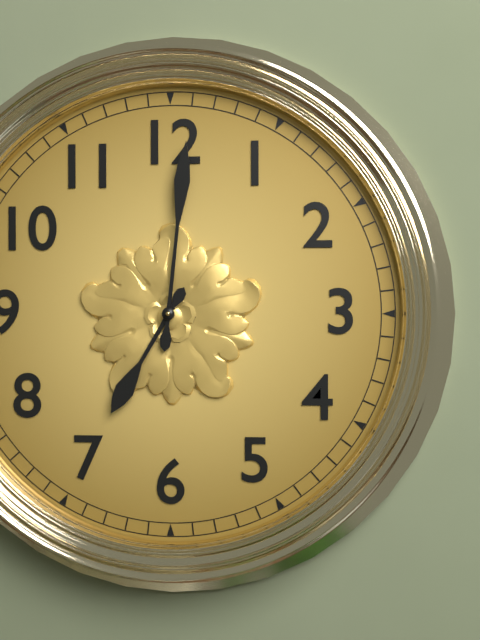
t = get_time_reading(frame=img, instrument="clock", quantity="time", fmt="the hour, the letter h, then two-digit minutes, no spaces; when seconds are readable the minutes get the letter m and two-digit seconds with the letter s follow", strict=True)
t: 7h01
